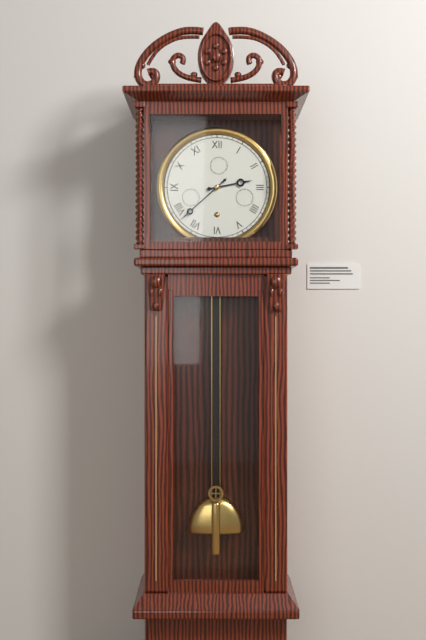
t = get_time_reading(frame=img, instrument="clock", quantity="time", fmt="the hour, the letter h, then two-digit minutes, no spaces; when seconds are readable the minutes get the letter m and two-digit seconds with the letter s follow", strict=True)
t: 2h38
